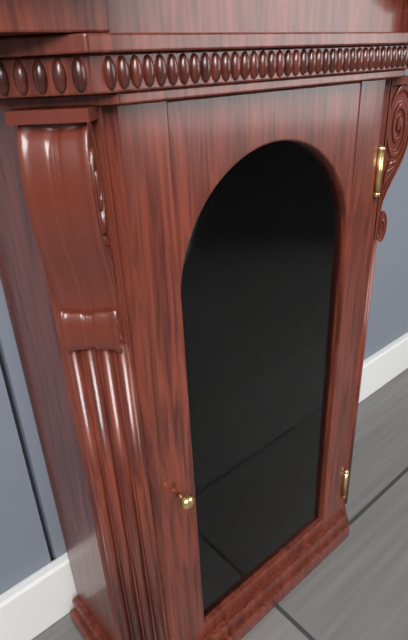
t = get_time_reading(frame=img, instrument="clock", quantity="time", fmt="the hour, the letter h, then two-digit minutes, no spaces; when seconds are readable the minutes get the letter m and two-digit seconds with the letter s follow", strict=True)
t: 1h34
